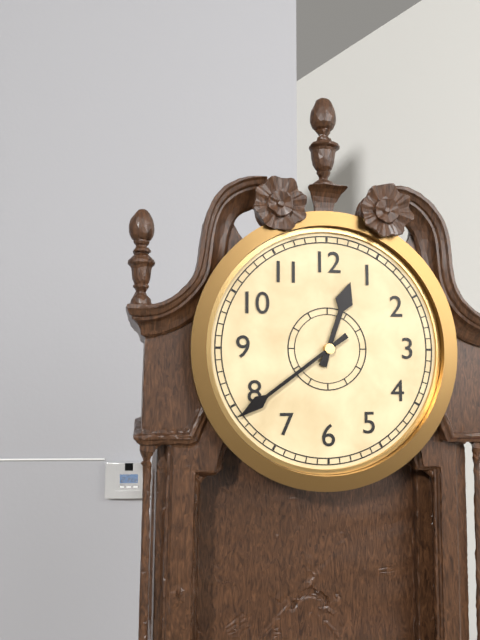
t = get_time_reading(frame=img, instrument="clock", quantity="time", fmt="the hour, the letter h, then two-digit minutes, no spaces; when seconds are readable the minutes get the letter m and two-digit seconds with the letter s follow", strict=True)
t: 12h39
